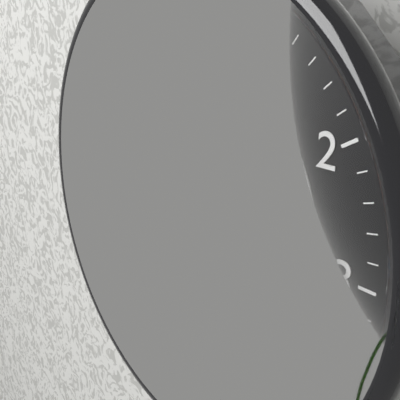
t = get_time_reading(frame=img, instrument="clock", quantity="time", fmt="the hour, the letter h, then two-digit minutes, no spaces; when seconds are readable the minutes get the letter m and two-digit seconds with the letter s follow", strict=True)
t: 12h50
